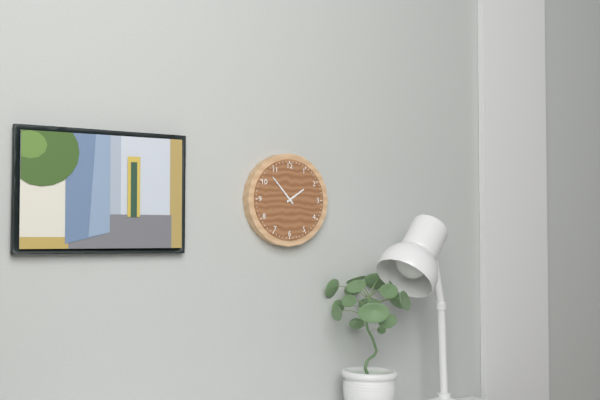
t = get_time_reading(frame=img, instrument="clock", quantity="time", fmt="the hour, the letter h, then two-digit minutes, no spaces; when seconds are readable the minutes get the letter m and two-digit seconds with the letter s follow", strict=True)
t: 1h53
